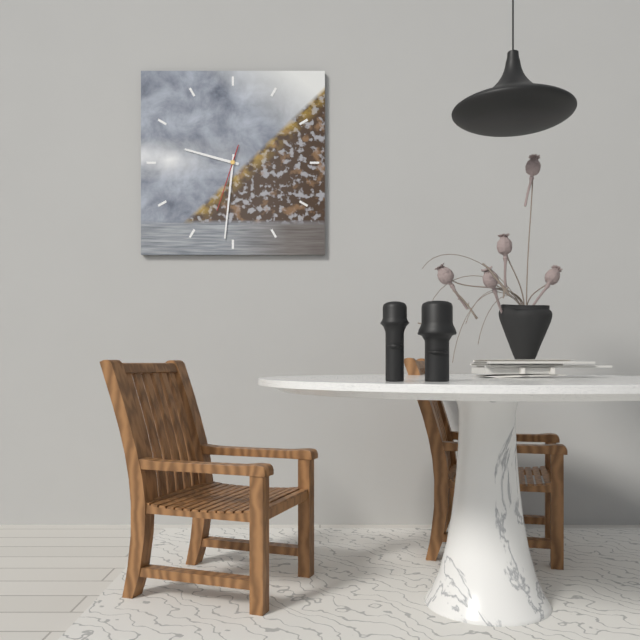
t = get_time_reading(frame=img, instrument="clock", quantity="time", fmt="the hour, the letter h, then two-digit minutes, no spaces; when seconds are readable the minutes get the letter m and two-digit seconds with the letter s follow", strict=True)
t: 9h31m33s
